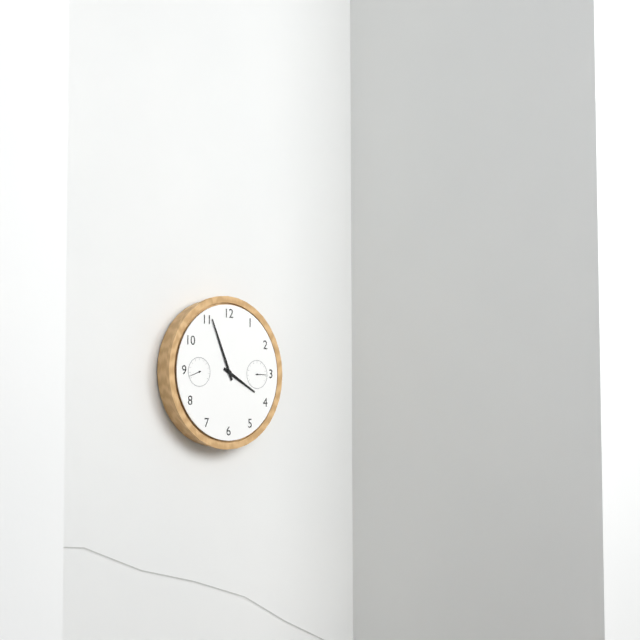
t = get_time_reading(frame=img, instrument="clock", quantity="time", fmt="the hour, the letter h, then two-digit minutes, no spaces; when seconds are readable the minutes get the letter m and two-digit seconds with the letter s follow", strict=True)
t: 3h56
